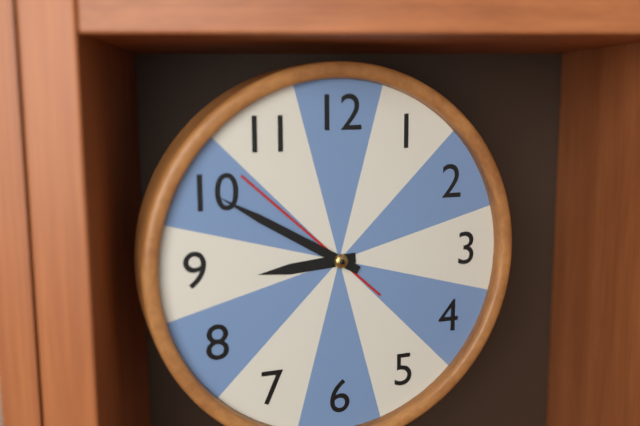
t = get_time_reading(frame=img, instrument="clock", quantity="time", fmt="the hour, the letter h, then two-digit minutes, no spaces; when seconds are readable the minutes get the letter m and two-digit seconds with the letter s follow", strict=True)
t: 8h50m52s
